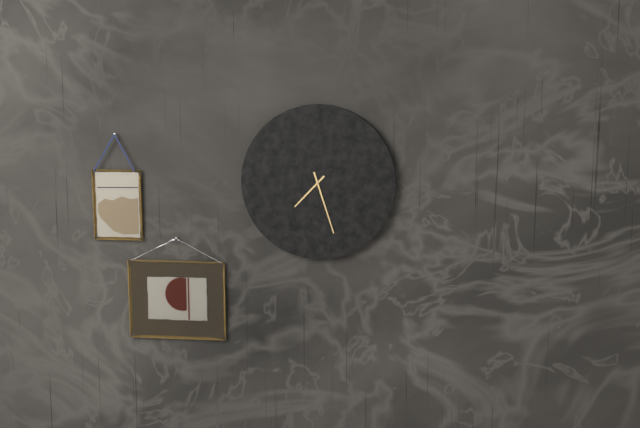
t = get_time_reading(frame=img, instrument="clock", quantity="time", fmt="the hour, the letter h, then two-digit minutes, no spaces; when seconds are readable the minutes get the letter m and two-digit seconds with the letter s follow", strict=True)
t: 7h27
